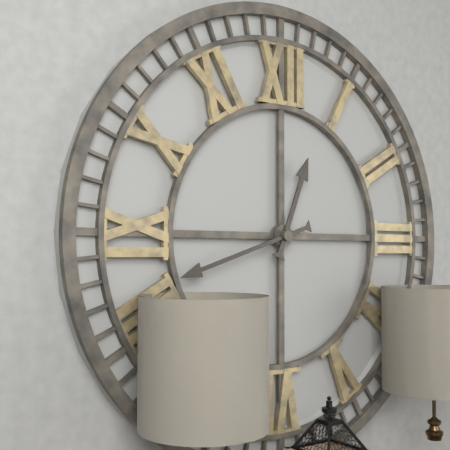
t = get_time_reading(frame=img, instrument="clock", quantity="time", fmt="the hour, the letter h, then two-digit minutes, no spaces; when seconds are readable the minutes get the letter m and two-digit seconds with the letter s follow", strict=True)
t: 12h42
